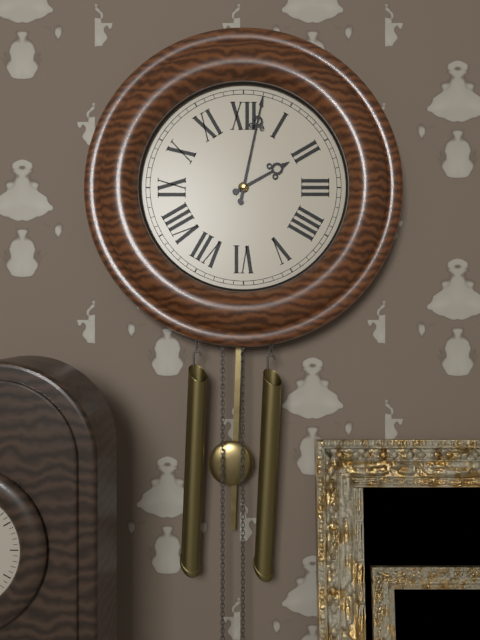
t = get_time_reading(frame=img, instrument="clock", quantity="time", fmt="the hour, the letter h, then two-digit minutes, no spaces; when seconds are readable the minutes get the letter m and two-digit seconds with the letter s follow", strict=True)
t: 2h02
